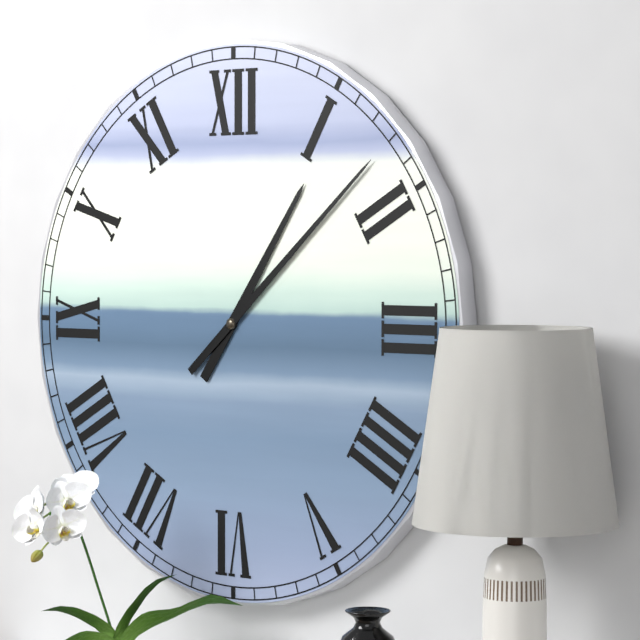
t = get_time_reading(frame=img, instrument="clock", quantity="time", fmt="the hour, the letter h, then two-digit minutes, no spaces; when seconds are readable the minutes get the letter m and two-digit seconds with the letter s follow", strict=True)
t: 1h08
